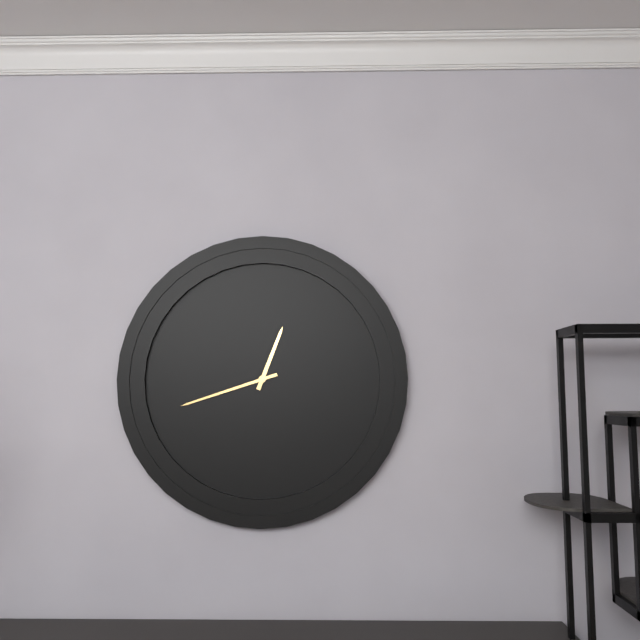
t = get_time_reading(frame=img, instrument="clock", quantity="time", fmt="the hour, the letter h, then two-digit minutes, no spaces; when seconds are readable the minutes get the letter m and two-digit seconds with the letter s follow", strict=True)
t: 12h42
